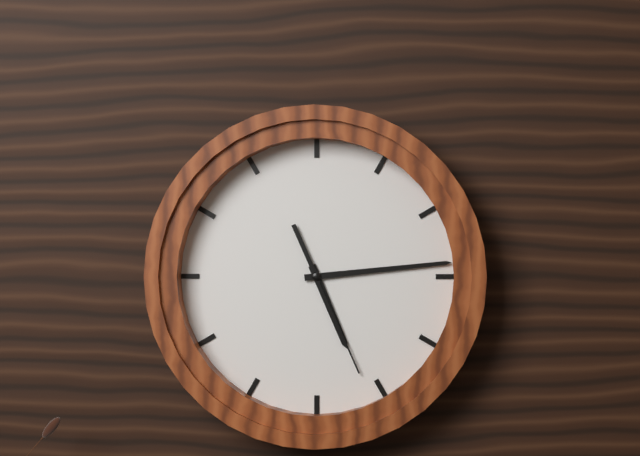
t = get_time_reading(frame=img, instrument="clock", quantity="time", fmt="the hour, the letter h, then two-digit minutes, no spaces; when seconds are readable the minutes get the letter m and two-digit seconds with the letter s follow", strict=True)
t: 5h14m26s
